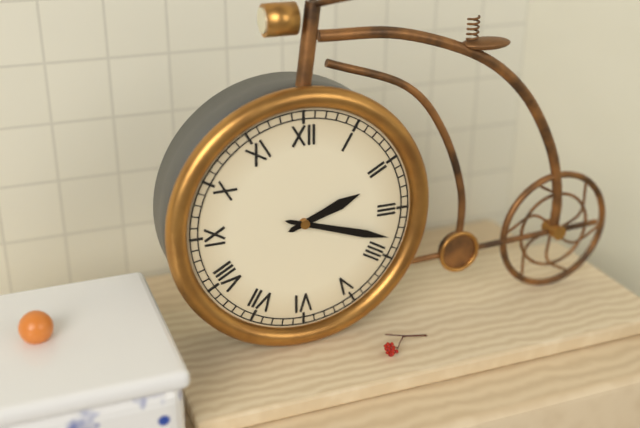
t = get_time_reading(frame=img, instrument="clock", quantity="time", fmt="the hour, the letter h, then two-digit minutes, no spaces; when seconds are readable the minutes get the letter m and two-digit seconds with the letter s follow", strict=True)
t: 2h18
